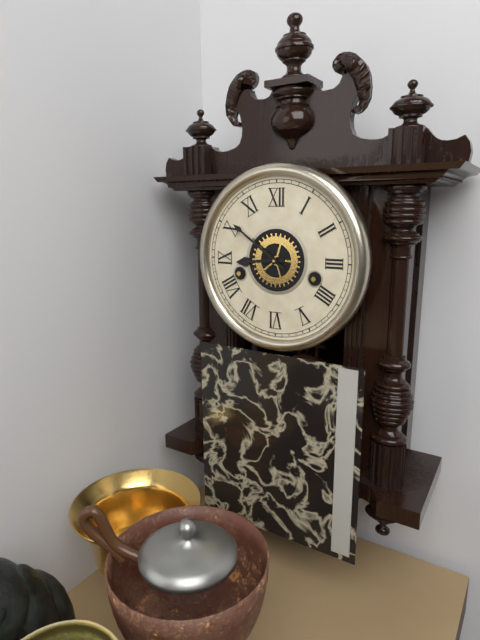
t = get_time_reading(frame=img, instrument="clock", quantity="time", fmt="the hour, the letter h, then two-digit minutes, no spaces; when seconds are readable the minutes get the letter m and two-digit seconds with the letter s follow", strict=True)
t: 8h51
